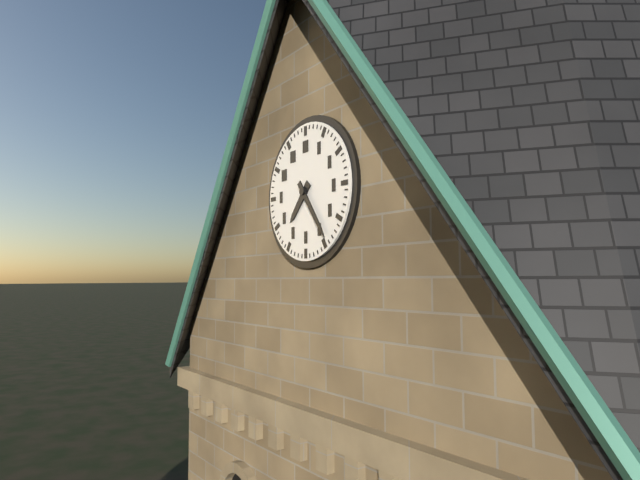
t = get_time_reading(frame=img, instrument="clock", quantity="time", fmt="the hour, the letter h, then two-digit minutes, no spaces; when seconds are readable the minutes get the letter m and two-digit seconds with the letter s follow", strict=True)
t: 7h24
